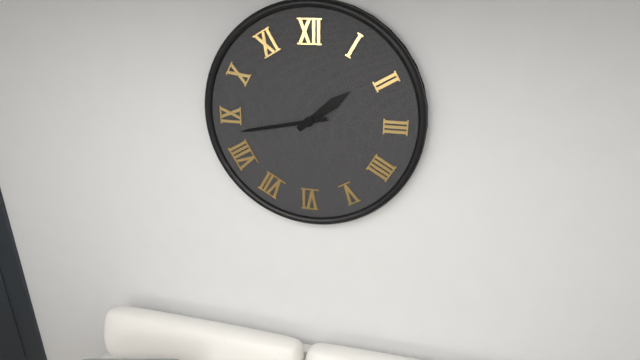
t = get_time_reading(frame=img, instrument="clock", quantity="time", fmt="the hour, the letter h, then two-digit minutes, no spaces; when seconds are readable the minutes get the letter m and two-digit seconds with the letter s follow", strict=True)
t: 1h43
